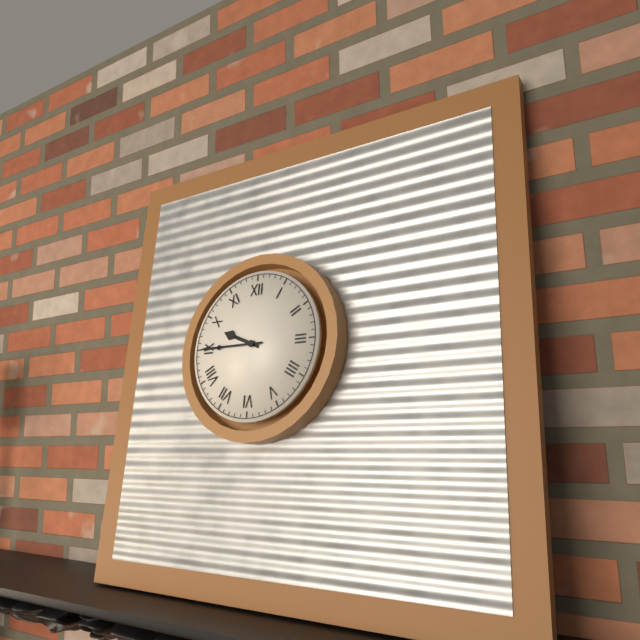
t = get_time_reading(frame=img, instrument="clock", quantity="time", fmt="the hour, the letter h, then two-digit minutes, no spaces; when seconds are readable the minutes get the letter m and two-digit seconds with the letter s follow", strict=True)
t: 9h45
